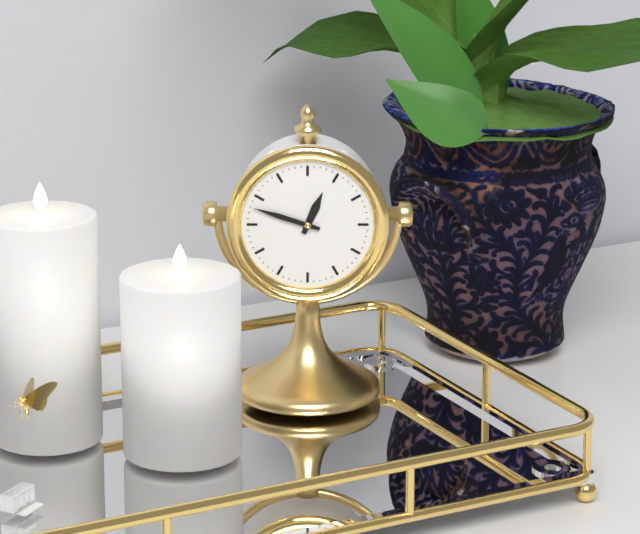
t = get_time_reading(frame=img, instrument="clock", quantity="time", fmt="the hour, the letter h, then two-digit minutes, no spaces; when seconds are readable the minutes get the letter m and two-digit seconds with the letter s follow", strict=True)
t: 12h48
